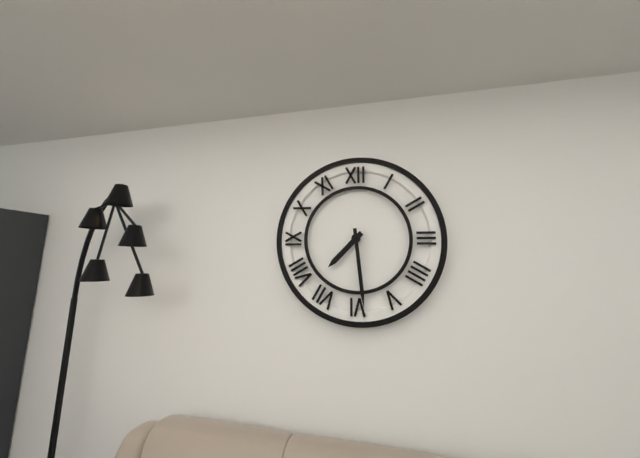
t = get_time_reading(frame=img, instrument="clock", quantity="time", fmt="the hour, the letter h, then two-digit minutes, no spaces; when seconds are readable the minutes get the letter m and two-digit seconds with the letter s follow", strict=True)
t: 7h29
